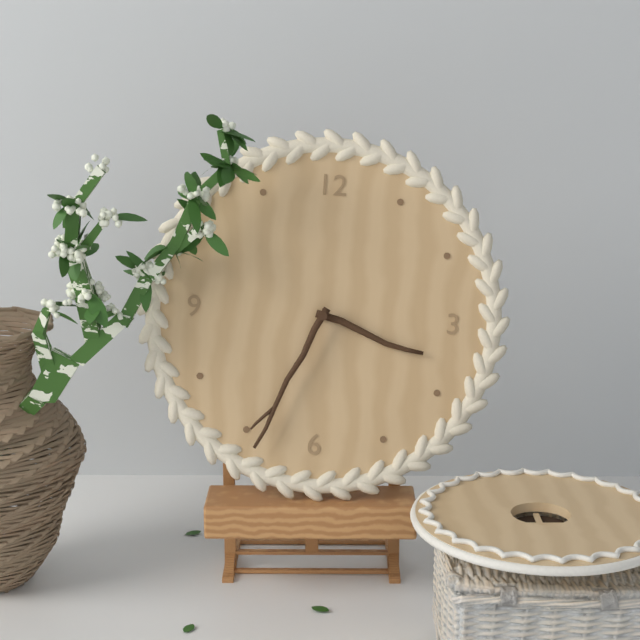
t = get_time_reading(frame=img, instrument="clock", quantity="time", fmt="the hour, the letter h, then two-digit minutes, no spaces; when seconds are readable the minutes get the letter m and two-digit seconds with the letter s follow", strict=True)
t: 3h34
